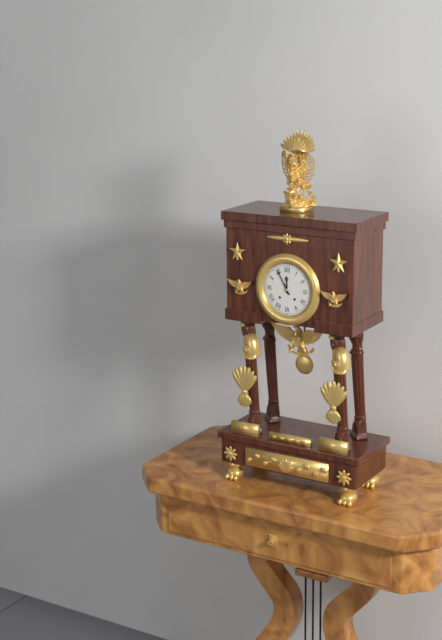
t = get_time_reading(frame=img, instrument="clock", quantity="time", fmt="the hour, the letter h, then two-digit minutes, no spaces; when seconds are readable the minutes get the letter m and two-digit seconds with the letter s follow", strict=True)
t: 11h55
